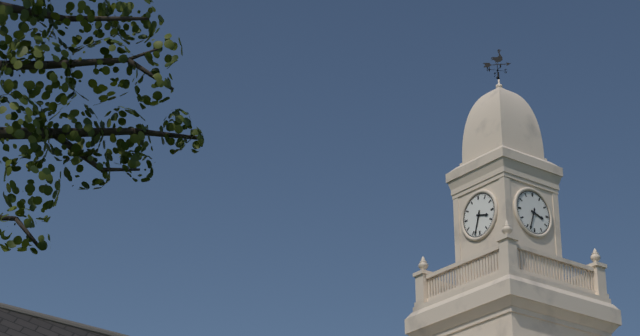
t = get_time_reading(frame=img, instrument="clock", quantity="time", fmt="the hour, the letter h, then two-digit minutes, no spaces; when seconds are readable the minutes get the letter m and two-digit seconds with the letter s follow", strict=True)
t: 3h33
